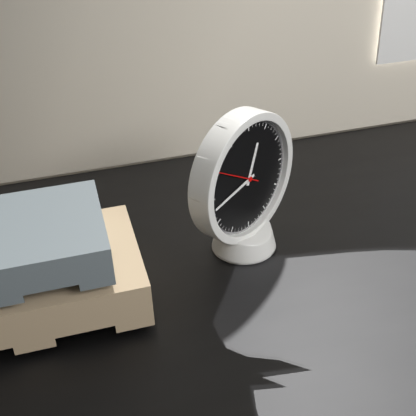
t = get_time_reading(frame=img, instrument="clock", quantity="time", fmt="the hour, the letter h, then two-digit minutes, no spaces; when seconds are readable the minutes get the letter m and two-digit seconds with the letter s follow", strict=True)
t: 12h43
